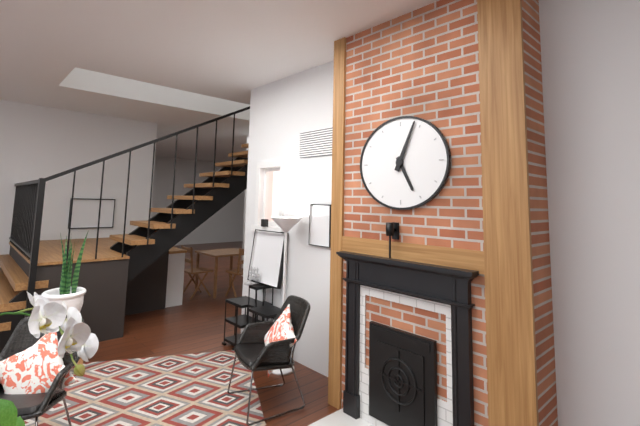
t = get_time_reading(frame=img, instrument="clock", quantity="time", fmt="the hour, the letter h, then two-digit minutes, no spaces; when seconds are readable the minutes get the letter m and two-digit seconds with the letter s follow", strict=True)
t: 5h04
